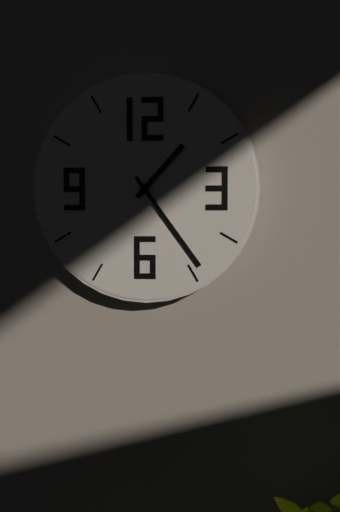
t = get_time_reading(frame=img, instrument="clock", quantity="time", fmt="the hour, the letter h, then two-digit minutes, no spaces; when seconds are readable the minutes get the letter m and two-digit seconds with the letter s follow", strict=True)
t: 1h24
